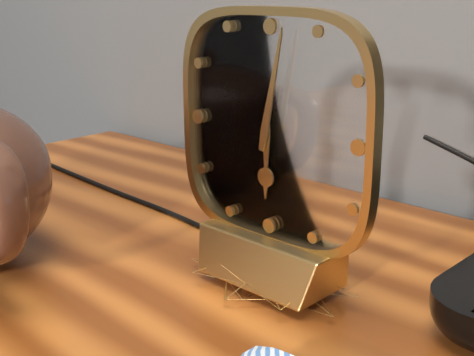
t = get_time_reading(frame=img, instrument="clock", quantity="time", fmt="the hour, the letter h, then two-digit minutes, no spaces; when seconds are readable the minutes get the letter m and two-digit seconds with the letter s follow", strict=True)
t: 6h02
